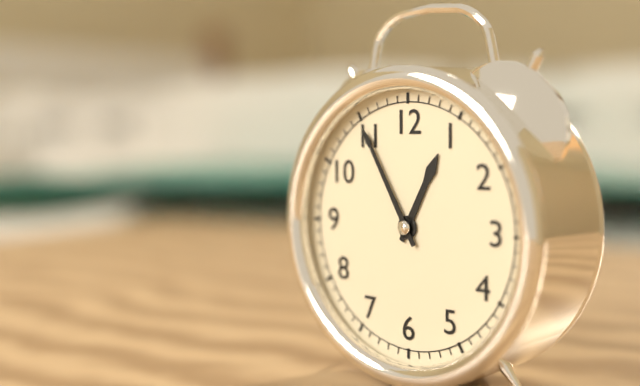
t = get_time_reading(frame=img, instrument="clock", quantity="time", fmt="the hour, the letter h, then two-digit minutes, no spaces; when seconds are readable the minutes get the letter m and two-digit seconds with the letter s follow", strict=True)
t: 12h55
